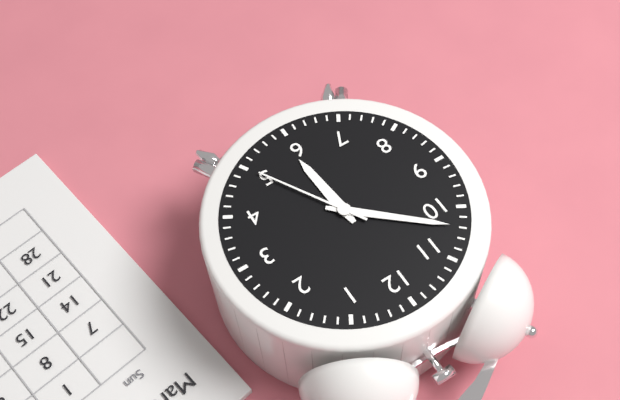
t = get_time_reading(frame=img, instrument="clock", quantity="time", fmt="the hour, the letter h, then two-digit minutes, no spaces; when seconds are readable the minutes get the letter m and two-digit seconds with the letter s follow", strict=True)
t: 5h52m25s
